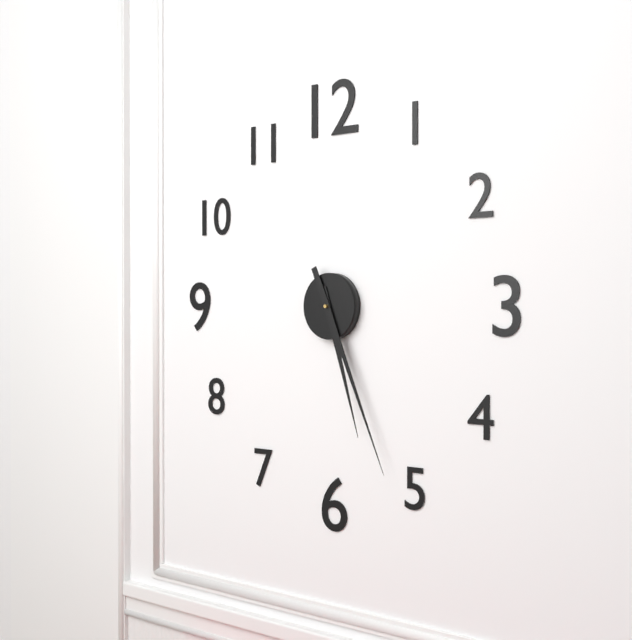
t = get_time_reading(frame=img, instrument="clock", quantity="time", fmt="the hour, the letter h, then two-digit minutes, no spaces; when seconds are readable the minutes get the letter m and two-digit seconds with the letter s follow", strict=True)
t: 5h26
